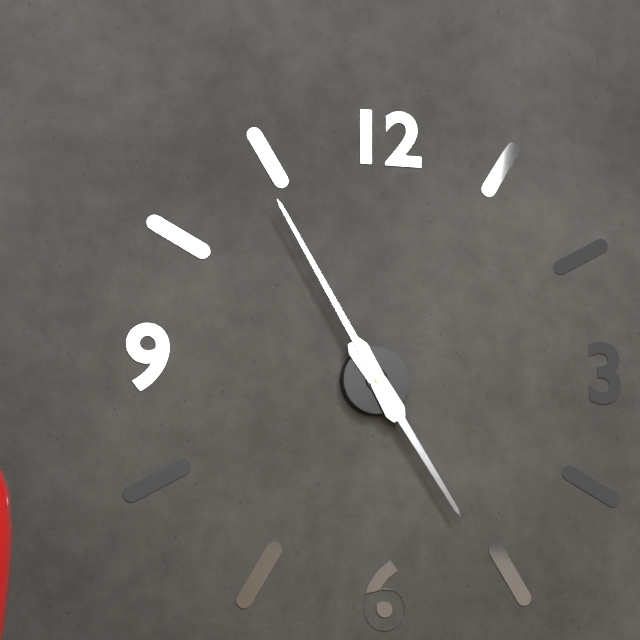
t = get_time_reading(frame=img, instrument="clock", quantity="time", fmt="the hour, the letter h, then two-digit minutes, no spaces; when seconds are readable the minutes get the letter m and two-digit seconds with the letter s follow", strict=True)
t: 4h55
